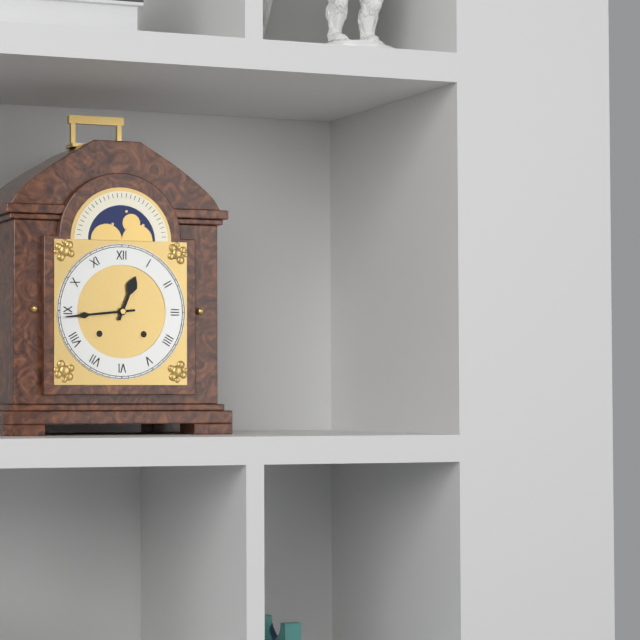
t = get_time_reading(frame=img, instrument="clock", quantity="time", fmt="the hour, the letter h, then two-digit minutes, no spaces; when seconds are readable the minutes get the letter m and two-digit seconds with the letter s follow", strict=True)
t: 12h44
